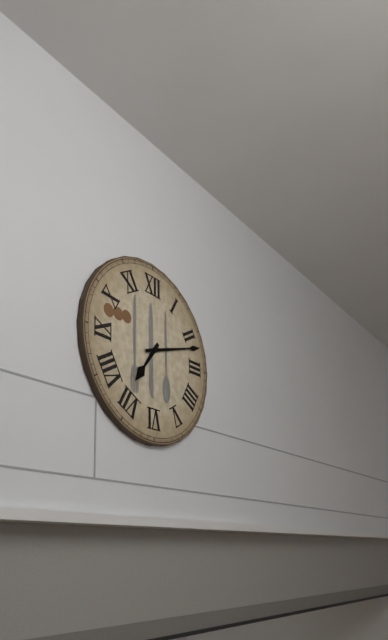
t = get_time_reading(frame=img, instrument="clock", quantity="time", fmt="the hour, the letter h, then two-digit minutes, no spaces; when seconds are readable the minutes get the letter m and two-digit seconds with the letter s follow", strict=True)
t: 7h12
